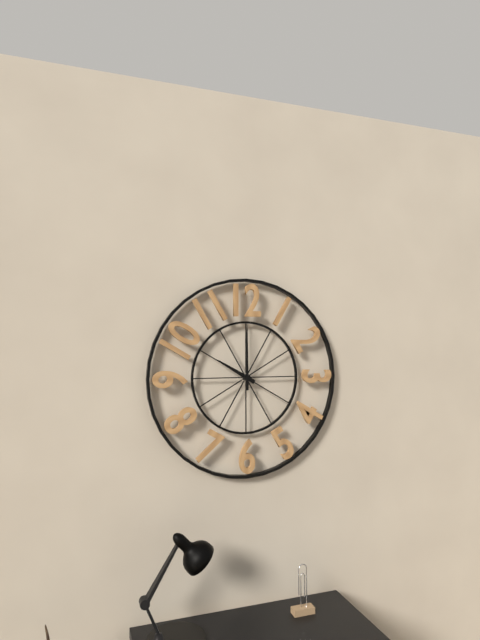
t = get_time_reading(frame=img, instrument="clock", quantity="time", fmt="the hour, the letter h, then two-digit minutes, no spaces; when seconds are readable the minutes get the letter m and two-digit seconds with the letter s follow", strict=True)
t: 10h00
